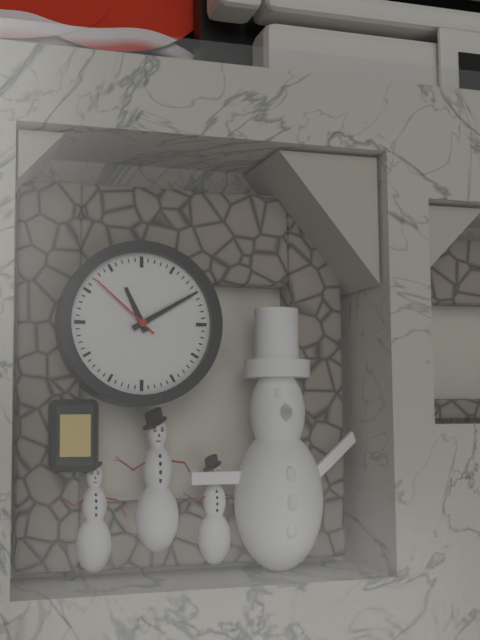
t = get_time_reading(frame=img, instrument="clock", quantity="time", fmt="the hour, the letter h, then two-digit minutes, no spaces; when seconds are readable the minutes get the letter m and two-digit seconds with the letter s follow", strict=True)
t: 11h10m52s
